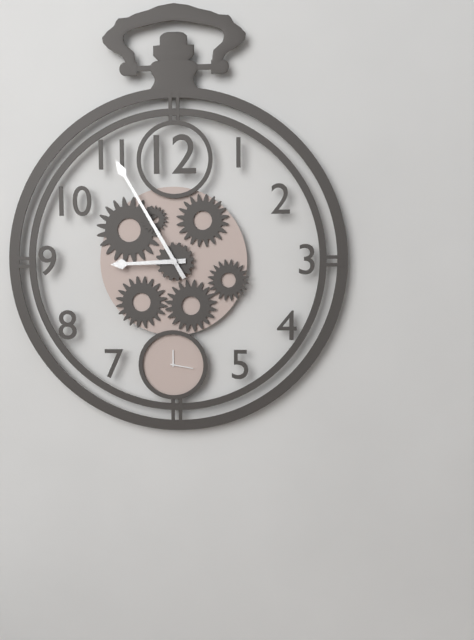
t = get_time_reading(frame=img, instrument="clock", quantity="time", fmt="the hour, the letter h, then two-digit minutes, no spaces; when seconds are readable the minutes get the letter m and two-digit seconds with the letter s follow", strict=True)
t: 8h55
